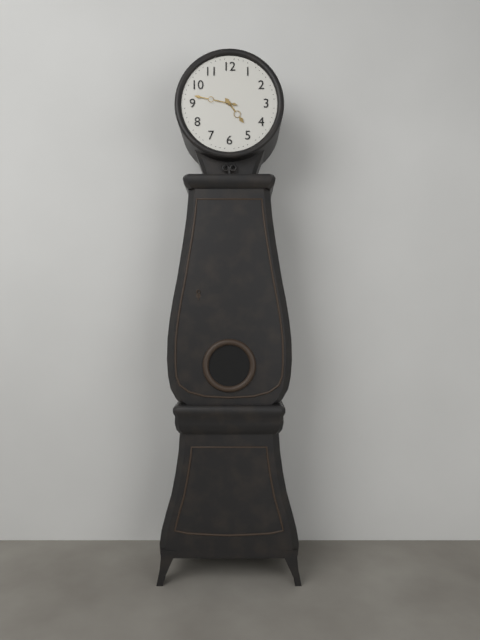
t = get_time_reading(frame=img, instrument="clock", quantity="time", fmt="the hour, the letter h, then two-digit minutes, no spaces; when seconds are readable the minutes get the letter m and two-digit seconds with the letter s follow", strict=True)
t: 4h47
